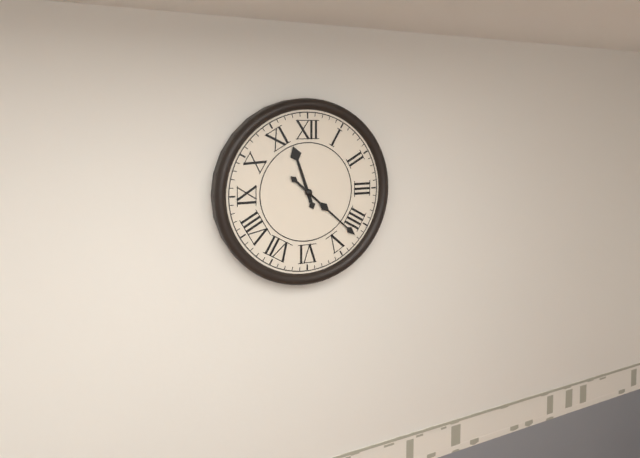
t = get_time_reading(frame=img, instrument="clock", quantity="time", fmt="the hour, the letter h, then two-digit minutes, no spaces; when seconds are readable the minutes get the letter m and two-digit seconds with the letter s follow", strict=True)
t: 11h22
